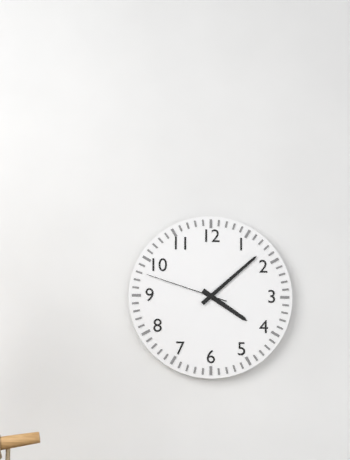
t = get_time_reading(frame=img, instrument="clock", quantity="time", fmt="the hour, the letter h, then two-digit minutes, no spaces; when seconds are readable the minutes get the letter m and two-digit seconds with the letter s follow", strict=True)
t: 4h08m48s
